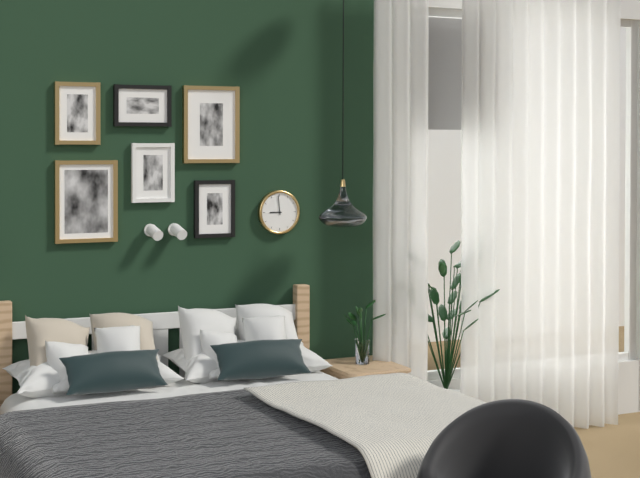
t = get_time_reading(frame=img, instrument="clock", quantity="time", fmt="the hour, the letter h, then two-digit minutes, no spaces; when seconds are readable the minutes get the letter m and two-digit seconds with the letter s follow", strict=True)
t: 8h59
